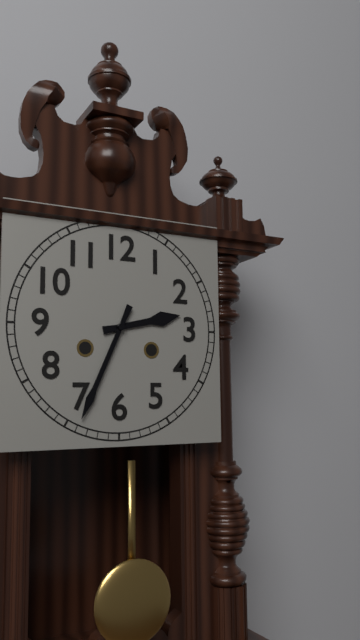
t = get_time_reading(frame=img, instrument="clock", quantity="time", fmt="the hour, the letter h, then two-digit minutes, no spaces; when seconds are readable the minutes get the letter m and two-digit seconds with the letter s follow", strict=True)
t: 2h34
